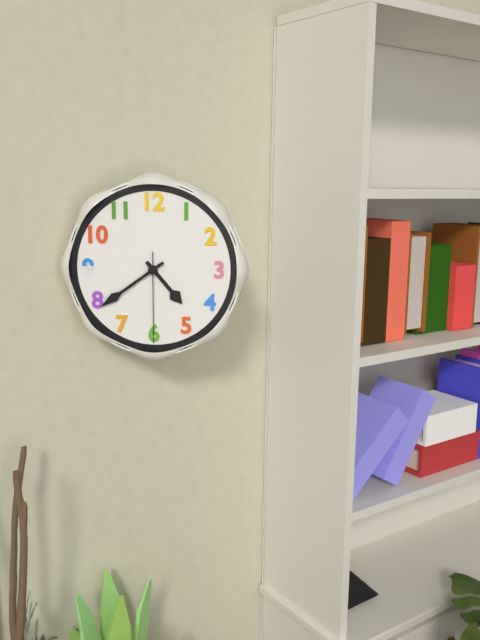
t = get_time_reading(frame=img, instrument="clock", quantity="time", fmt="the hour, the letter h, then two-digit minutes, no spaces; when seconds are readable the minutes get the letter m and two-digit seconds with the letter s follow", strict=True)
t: 4h39m30s
